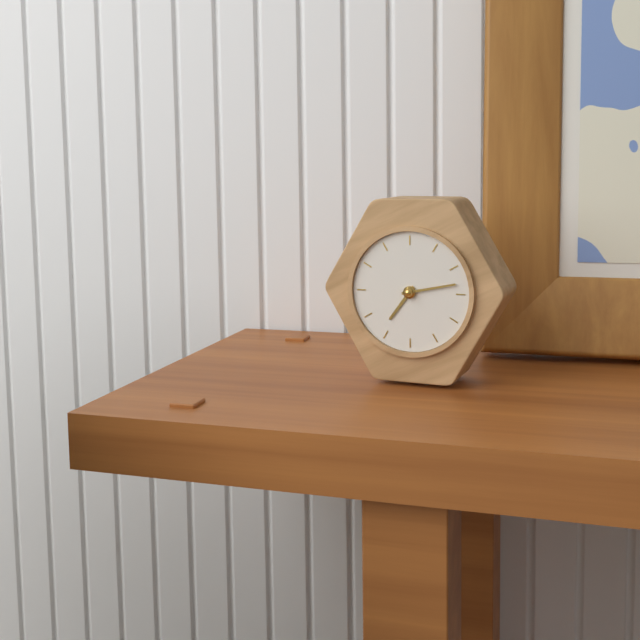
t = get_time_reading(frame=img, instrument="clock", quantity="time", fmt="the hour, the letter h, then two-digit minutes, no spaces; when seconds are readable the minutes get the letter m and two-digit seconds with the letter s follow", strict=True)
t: 7h13
